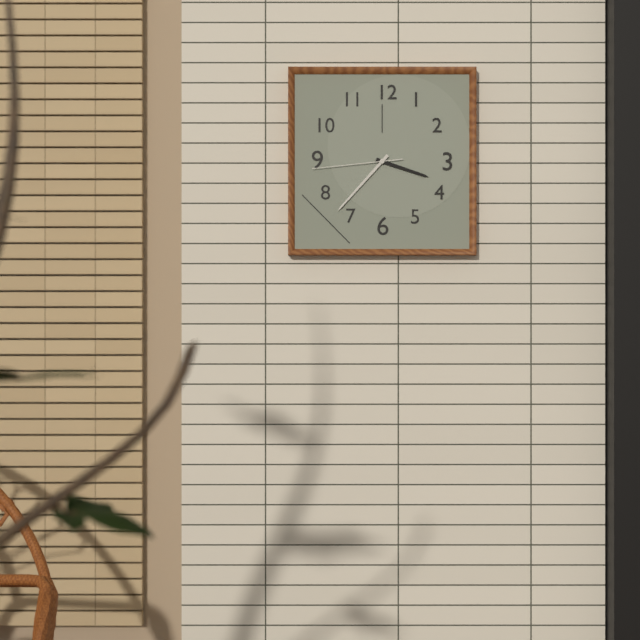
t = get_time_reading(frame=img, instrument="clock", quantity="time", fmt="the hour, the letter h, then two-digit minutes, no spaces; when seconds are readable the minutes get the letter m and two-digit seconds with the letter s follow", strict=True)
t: 3h37m44s
